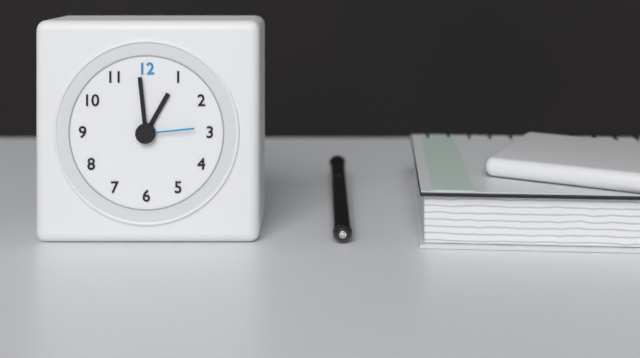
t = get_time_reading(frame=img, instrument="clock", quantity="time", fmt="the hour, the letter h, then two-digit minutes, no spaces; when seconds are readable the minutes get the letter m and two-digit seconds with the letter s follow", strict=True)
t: 12h59m14s
